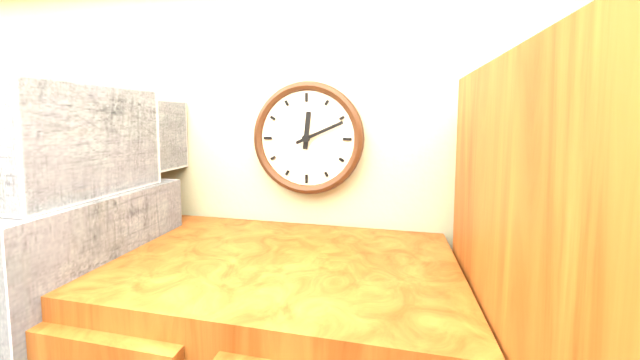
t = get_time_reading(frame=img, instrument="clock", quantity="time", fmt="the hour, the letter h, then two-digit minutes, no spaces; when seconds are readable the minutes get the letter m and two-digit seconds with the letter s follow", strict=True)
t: 12h11
